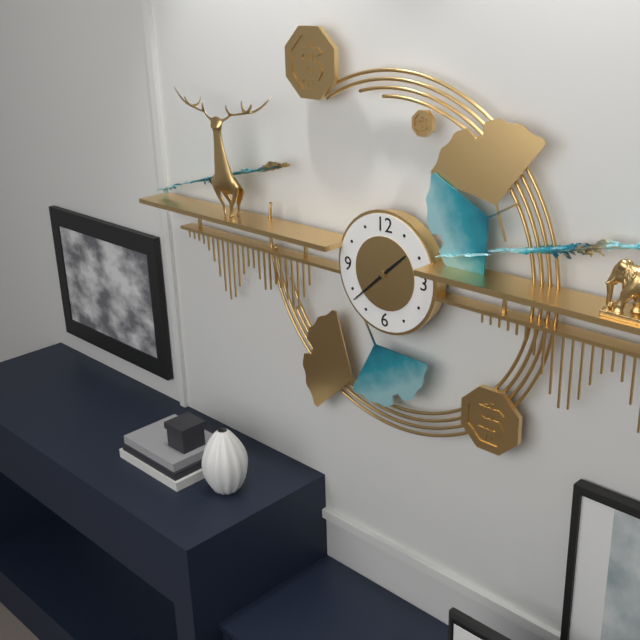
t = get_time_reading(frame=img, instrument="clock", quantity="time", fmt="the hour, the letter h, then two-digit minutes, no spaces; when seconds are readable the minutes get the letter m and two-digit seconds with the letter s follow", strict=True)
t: 1h38
